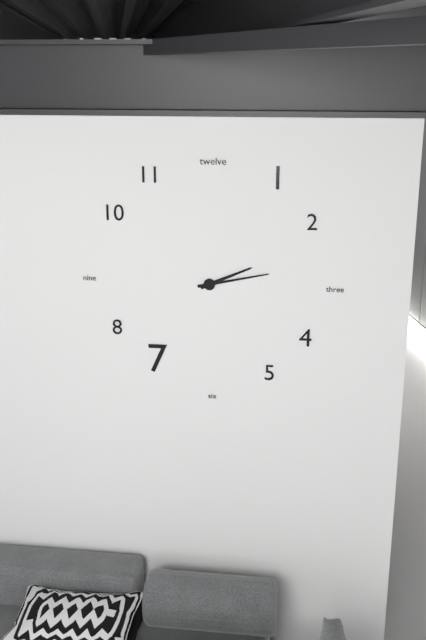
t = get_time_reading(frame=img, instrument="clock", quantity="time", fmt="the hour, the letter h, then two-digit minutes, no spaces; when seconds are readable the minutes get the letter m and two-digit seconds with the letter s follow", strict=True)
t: 2h13
